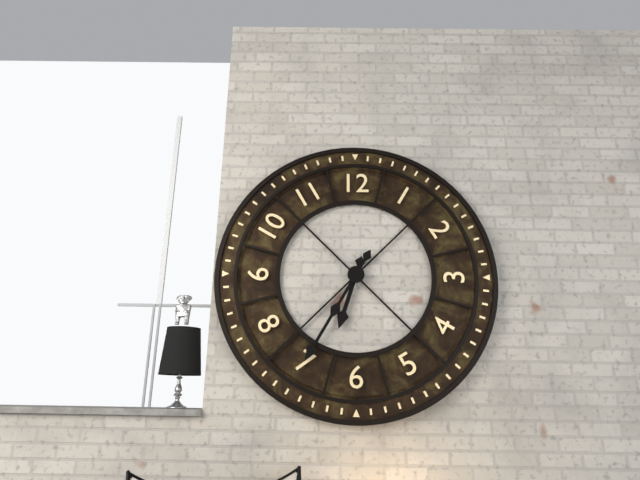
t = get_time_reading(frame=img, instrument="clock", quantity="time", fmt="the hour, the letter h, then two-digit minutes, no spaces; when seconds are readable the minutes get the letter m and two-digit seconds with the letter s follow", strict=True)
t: 6h35
